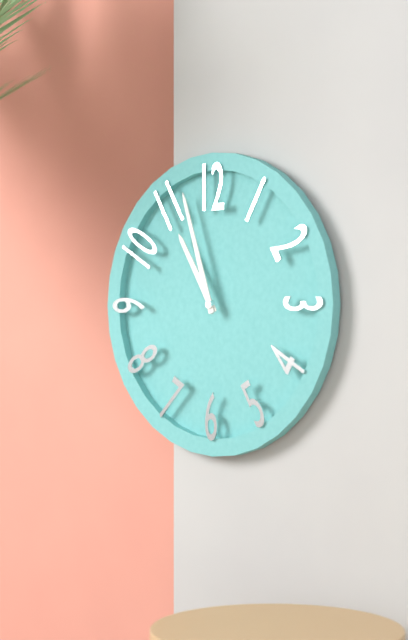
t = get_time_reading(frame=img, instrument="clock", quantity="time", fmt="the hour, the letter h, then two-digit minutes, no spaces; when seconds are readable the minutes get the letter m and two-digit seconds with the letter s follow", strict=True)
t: 10h57
